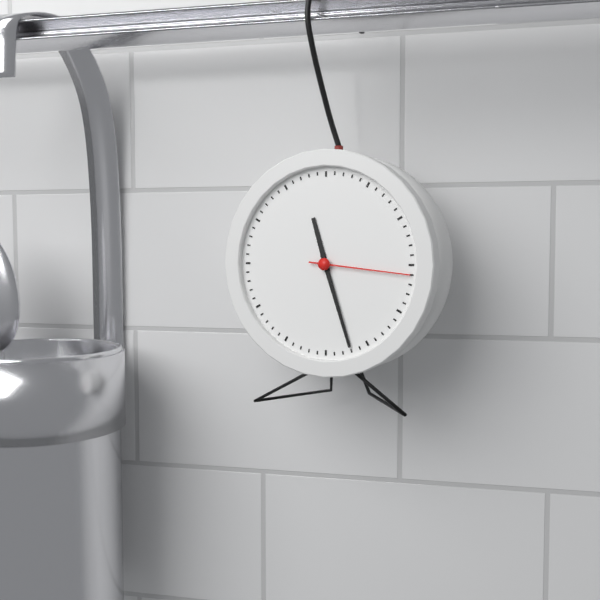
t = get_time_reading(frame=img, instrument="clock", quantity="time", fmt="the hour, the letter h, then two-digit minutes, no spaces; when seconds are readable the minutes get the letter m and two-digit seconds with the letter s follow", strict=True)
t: 11h27m16s
